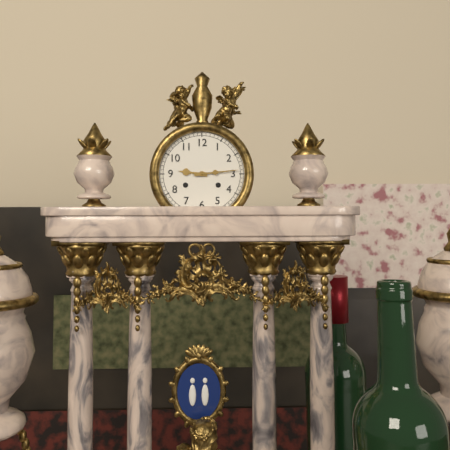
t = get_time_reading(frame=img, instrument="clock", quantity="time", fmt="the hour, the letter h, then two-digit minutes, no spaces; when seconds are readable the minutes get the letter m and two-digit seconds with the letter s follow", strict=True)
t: 9h14
